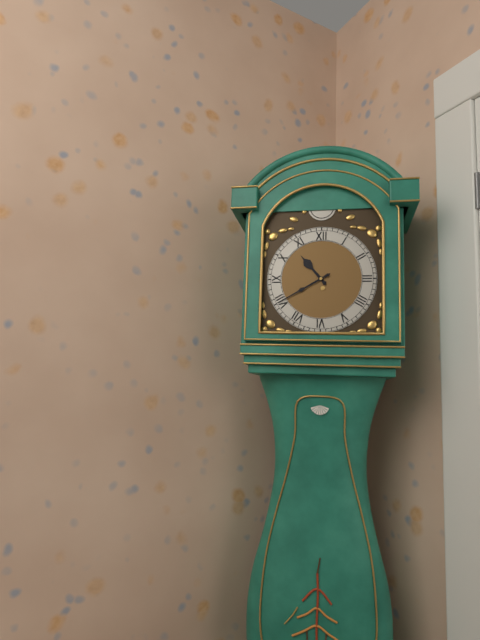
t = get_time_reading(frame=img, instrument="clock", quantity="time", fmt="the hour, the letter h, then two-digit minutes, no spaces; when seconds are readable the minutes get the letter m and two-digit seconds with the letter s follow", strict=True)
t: 10h40
